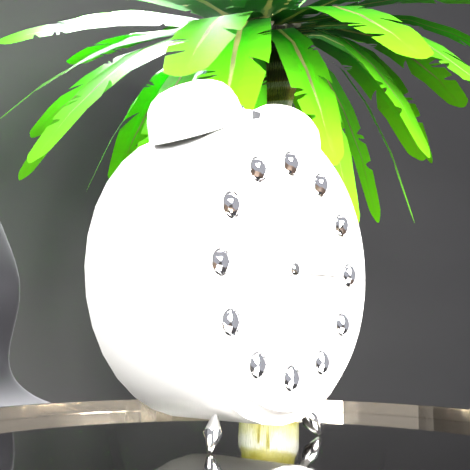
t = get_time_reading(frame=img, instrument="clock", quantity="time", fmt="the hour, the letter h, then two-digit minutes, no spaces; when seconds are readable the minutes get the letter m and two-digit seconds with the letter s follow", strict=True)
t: 8h15m55s
